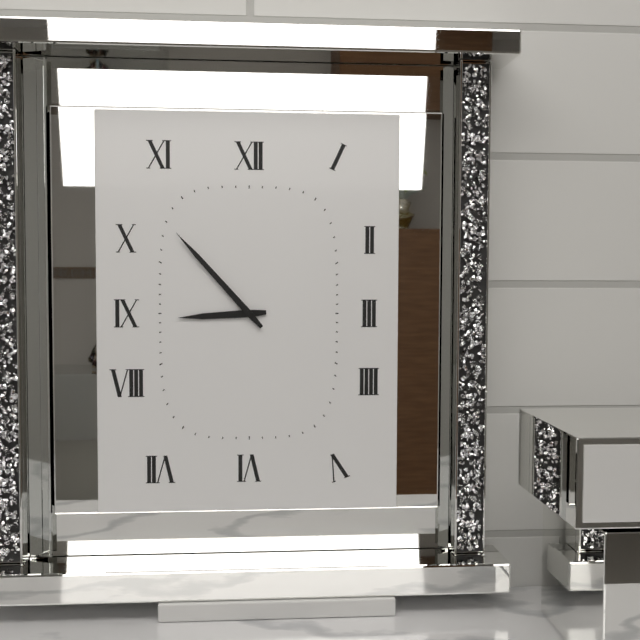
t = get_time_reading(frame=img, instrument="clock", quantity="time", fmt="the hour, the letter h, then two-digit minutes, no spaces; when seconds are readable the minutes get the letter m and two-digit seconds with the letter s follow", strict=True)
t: 8h53
